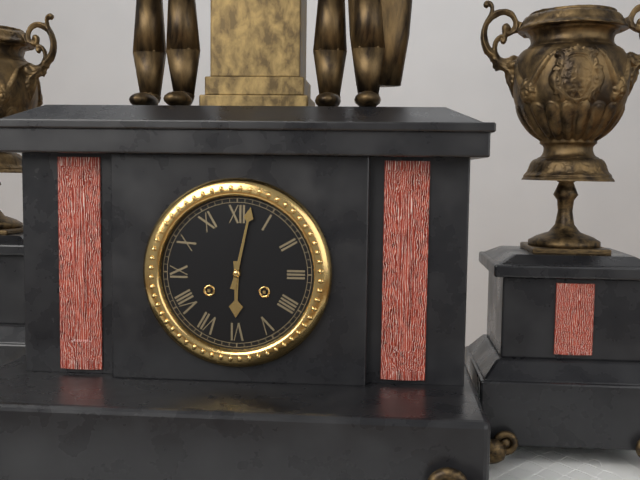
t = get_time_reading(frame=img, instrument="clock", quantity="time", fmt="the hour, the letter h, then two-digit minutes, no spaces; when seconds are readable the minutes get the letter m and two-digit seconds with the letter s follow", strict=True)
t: 6h02
